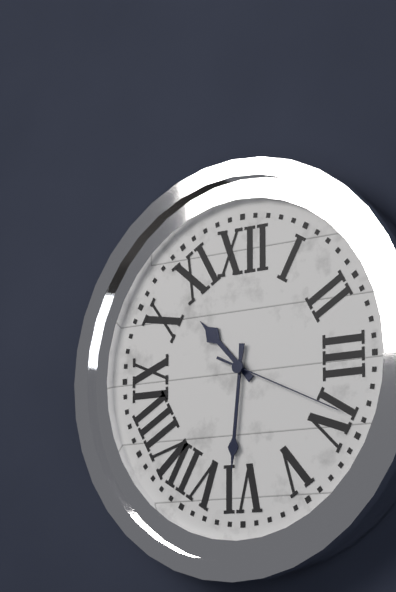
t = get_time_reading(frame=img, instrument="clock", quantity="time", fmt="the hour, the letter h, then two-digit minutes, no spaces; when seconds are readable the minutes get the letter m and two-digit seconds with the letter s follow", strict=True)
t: 10h31m19s
